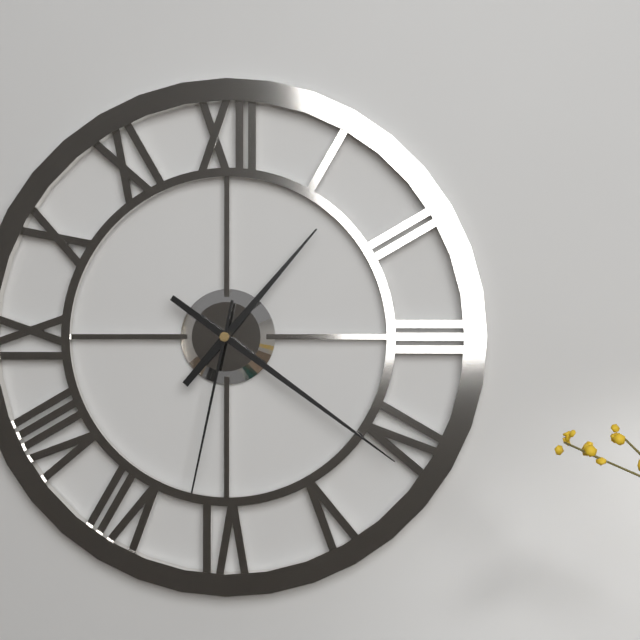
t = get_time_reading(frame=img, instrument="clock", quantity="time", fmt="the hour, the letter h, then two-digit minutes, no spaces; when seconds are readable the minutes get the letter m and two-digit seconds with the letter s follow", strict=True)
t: 1h21m32s
